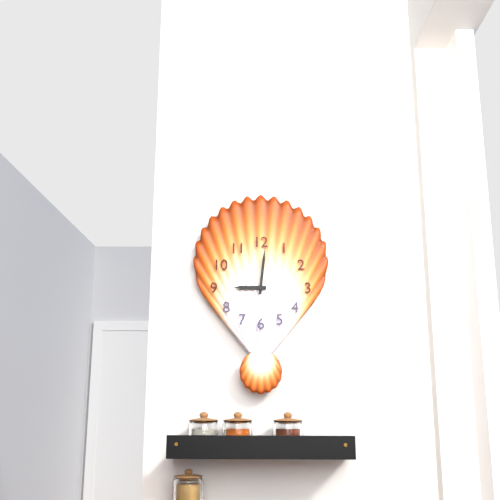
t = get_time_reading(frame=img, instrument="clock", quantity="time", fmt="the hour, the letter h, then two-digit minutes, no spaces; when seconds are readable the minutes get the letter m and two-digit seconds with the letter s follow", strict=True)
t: 9h01
